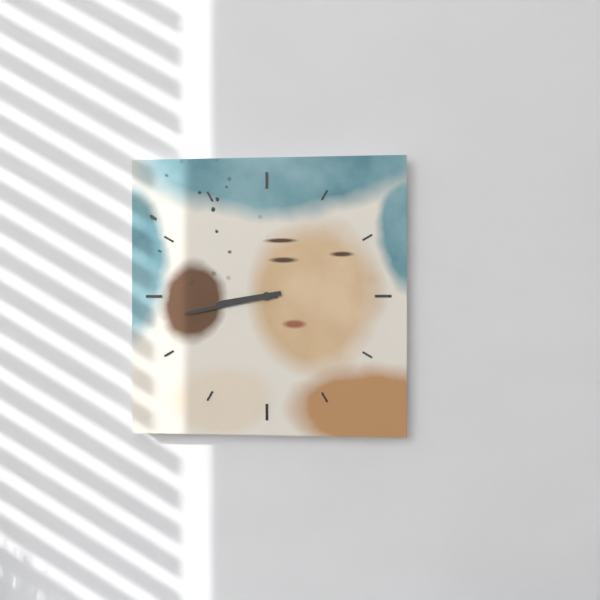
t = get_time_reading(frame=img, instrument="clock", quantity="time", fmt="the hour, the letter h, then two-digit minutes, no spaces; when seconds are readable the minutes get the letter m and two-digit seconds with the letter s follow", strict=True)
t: 8h43
